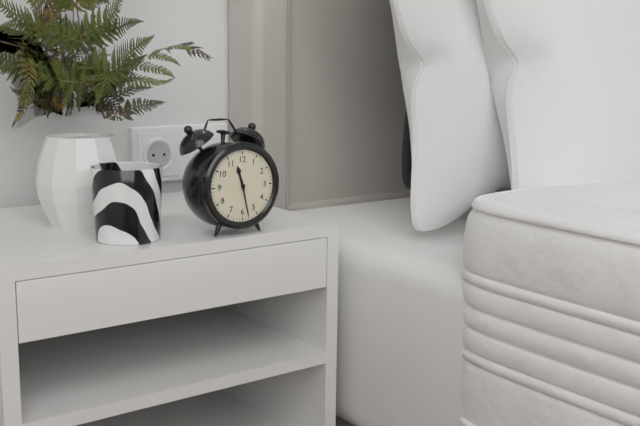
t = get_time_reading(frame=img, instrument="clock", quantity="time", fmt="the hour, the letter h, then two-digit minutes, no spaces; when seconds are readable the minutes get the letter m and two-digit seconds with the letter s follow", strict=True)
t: 11h28
